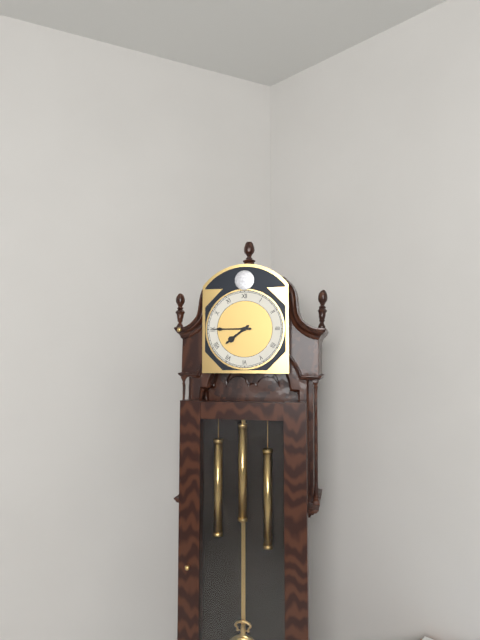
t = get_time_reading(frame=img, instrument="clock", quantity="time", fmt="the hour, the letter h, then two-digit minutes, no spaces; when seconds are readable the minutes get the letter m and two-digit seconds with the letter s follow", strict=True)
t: 7h45
